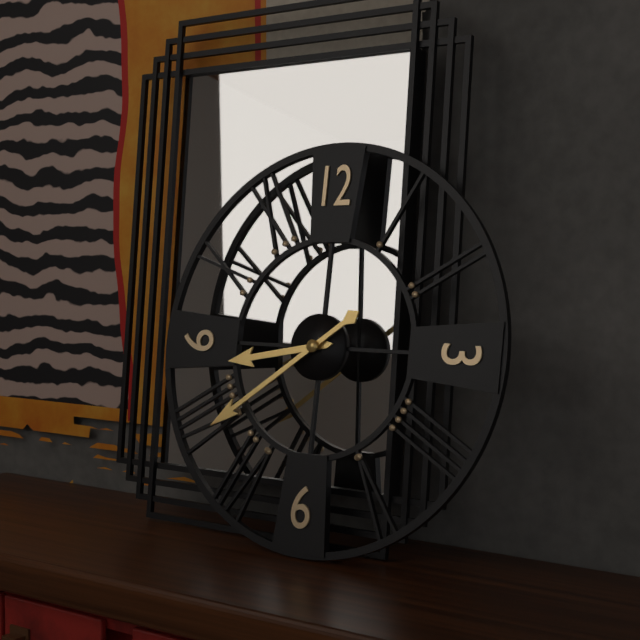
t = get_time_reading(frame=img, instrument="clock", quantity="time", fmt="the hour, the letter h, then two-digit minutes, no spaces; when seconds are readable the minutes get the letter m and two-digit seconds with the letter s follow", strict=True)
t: 8h39
